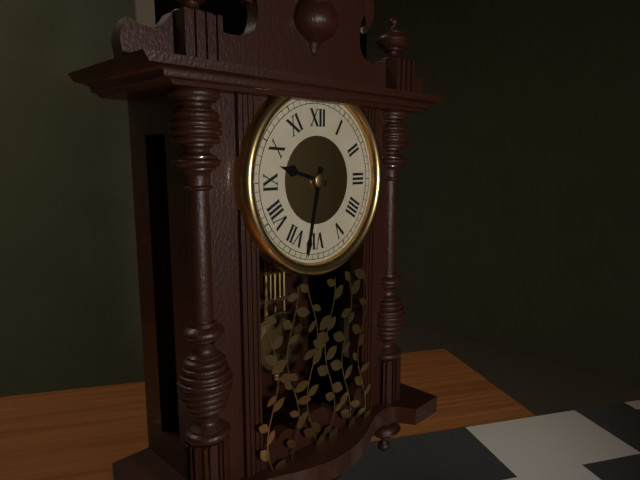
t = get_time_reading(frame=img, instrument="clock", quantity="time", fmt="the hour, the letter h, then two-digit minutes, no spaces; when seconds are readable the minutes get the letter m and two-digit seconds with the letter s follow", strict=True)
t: 9h32
